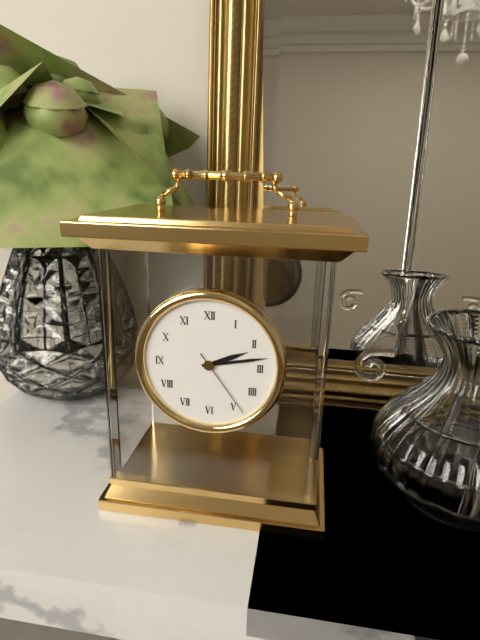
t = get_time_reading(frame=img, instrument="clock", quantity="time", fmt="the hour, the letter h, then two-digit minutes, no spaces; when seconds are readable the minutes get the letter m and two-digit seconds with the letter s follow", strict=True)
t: 2h13m24s
